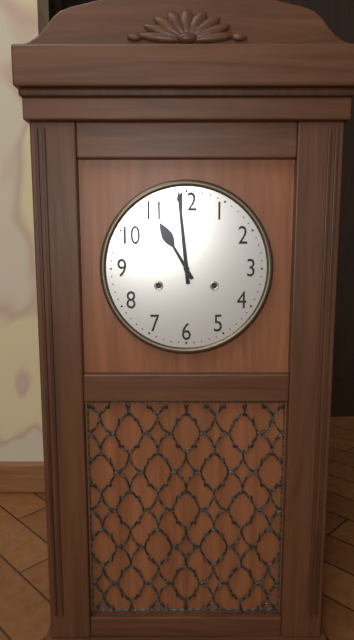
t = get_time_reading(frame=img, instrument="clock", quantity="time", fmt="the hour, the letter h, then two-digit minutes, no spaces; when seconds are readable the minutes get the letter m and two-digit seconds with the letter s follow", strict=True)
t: 10h59
